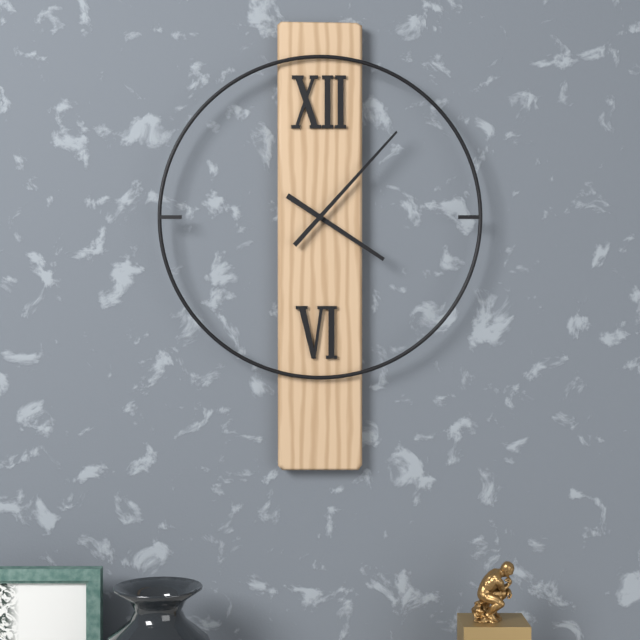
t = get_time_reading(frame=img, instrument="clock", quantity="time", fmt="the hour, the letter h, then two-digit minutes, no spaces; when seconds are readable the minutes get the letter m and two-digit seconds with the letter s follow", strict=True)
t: 4h07
